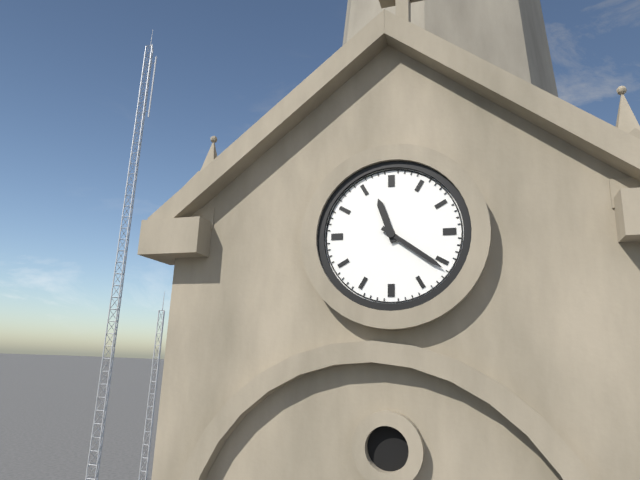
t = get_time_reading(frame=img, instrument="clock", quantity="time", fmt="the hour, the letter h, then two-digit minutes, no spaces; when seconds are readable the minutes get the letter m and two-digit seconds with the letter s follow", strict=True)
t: 11h21
